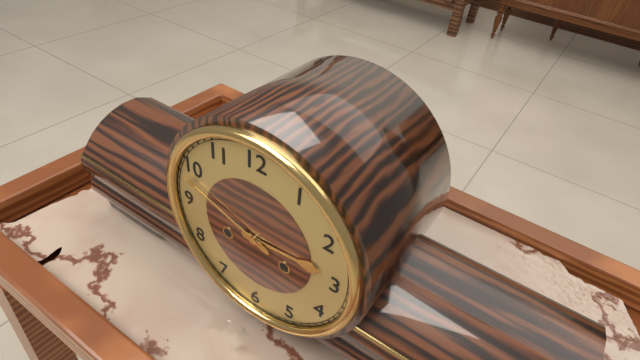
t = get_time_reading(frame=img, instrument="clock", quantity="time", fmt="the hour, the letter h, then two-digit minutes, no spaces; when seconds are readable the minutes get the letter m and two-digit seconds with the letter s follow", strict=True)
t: 2h48
